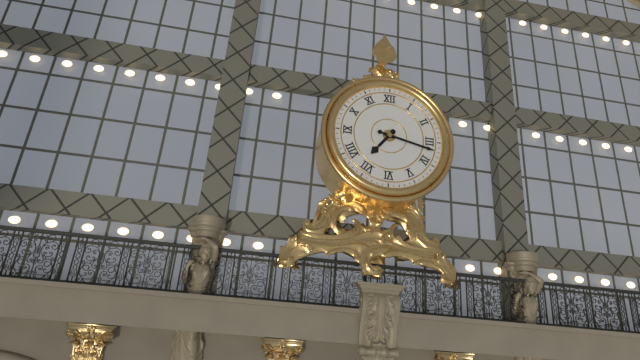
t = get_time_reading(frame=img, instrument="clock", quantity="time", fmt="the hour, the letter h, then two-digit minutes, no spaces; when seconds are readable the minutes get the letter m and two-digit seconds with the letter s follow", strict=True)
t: 7h17
